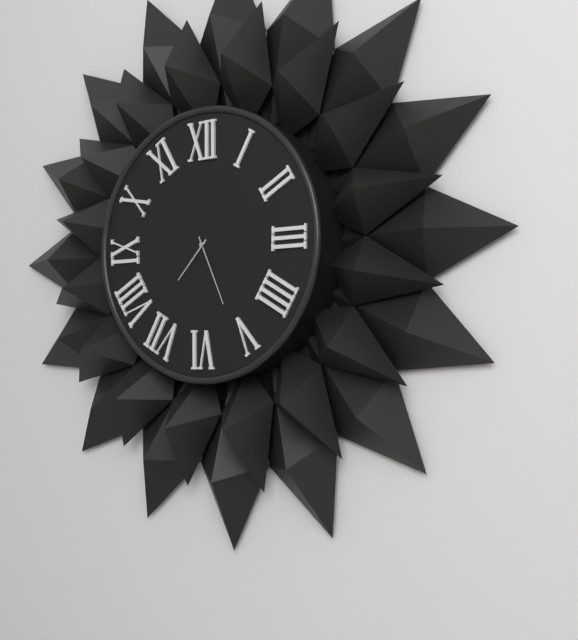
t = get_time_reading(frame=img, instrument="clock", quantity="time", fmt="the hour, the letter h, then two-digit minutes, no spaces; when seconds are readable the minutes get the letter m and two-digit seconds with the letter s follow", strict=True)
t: 7h26
